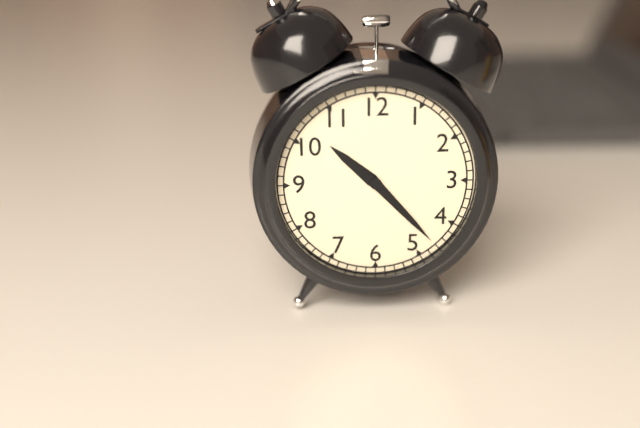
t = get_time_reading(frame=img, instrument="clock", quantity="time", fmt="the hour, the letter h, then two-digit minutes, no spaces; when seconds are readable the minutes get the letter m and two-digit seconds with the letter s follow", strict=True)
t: 10h23
